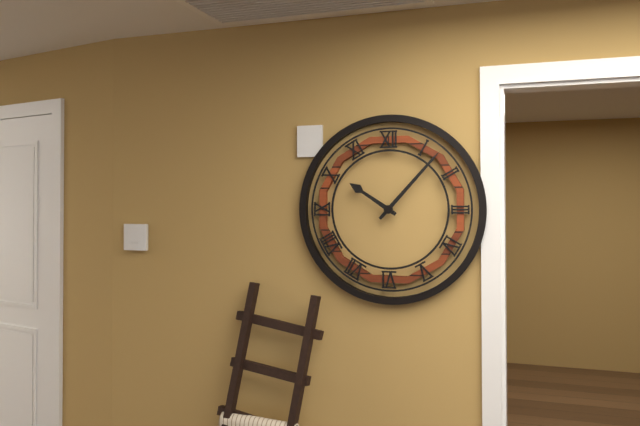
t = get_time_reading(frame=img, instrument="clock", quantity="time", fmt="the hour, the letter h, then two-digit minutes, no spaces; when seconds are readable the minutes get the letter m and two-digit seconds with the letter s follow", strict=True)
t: 10h07
